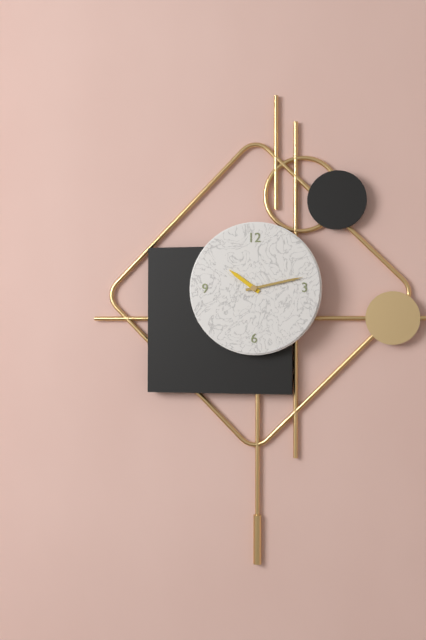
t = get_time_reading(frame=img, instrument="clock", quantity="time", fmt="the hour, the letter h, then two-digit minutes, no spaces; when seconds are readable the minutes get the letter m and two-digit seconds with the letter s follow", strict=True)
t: 10h13
